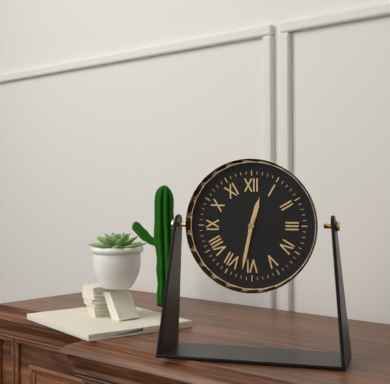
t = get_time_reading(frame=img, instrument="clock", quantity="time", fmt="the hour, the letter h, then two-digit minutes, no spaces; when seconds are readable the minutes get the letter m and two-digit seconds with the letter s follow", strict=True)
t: 12h32
